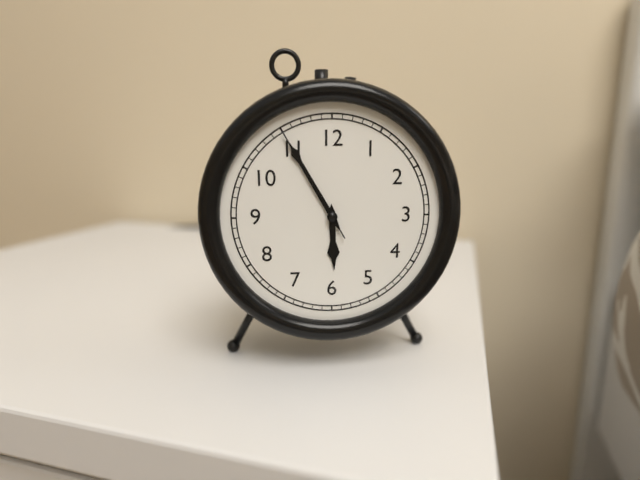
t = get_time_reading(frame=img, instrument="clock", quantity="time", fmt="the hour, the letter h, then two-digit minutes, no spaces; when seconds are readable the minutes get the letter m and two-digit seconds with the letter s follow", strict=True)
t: 5h55m55s
